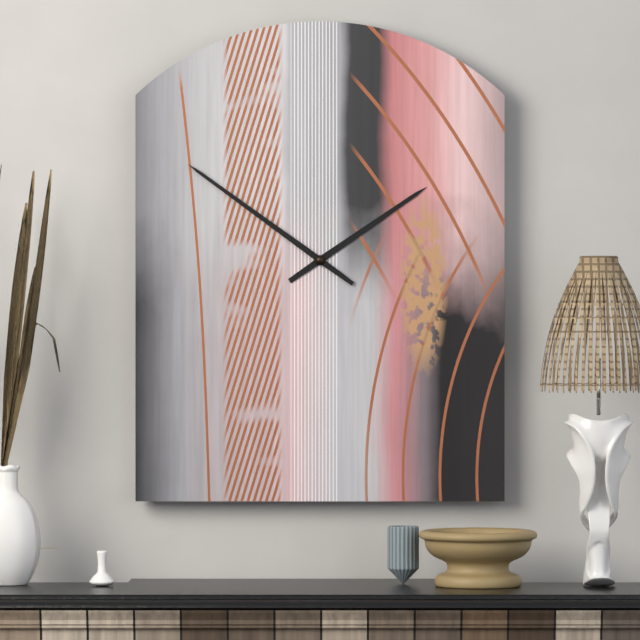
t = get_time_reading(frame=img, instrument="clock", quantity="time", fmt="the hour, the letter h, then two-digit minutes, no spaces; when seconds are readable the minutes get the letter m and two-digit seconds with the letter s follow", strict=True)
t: 1h51
